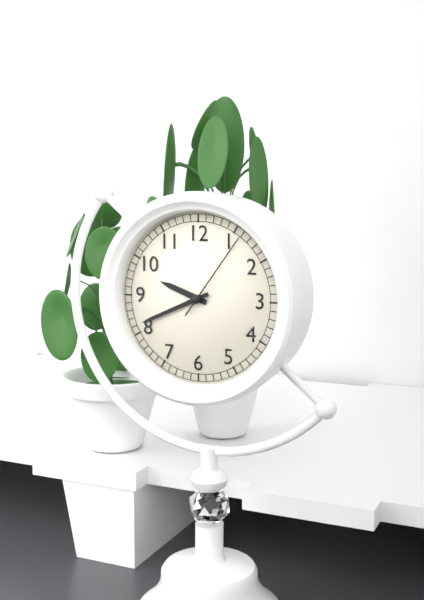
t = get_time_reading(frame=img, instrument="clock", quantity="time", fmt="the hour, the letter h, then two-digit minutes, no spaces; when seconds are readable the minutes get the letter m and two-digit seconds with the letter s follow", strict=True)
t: 9h41m06s
